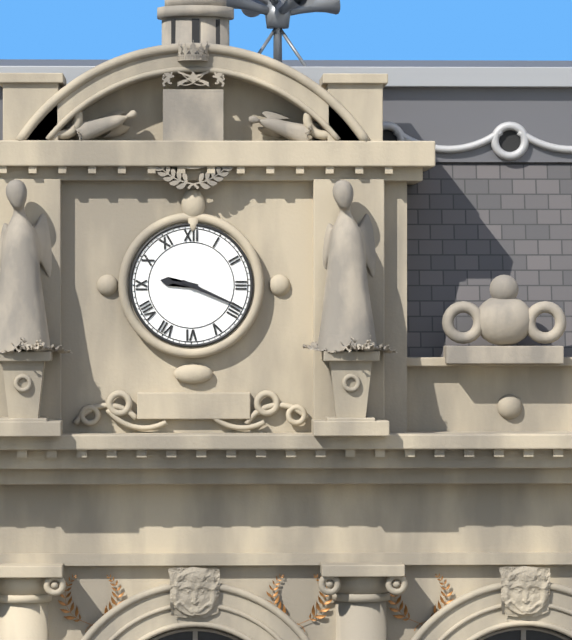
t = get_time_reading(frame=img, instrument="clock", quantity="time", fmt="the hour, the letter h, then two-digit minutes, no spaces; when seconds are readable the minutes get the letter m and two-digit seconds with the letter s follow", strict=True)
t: 9h19
